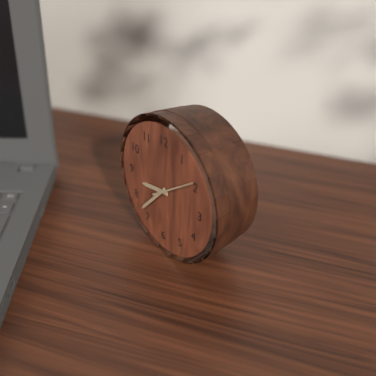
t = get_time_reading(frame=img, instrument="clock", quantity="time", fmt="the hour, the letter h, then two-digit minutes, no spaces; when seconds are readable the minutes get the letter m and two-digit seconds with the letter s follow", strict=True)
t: 8h37
